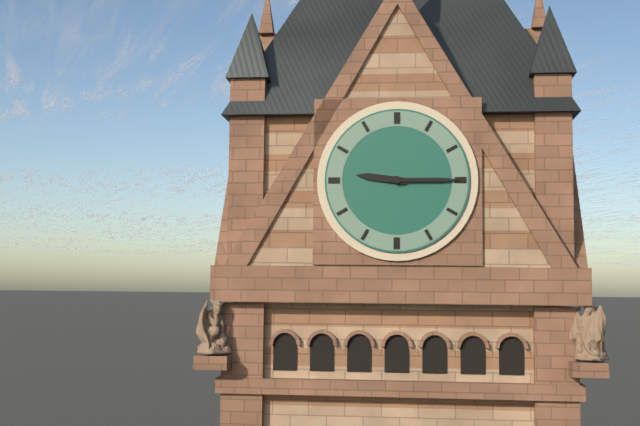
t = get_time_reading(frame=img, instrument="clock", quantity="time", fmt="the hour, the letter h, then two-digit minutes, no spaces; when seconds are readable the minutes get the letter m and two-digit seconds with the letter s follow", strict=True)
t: 9h15
